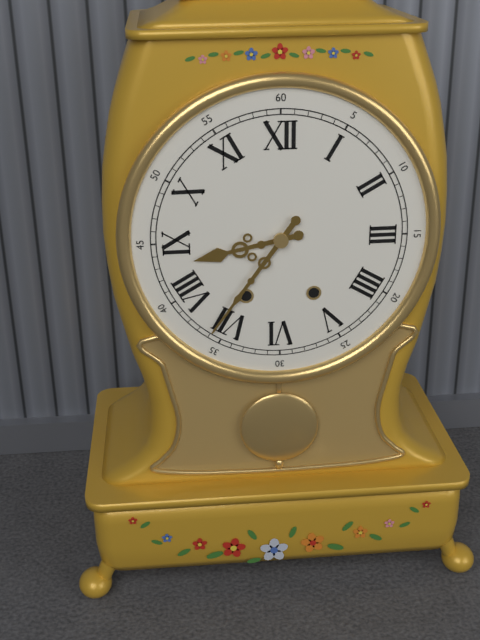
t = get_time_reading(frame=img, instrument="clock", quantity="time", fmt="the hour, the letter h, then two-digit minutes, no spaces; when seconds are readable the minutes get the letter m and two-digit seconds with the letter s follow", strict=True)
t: 8h36
